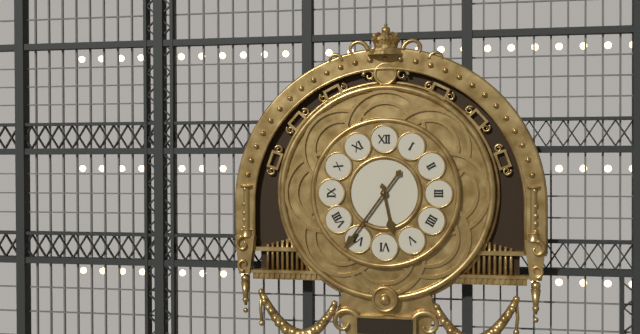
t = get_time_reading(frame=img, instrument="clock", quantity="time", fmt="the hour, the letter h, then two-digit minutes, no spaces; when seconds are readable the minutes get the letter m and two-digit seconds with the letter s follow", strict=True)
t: 5h36
